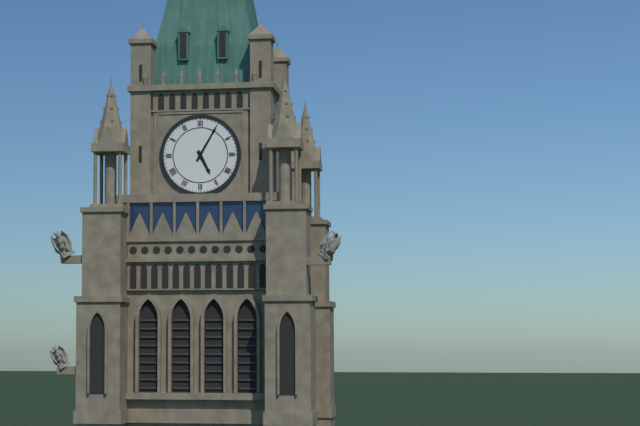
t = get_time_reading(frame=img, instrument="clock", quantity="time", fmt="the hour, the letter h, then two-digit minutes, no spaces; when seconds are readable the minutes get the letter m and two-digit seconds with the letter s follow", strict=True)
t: 5h05
